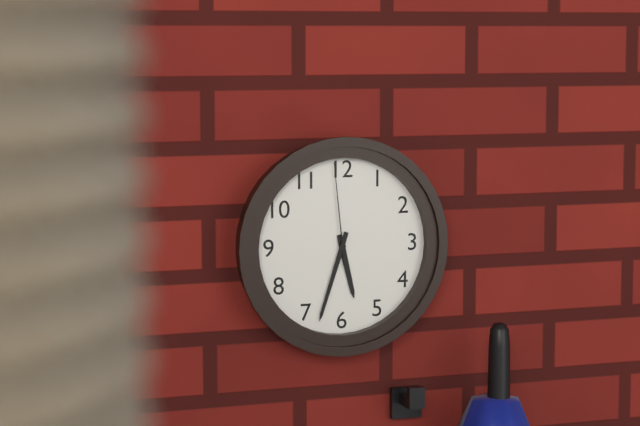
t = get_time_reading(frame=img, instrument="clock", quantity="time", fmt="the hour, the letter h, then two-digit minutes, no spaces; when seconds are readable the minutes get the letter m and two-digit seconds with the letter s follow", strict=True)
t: 5h33m59s
